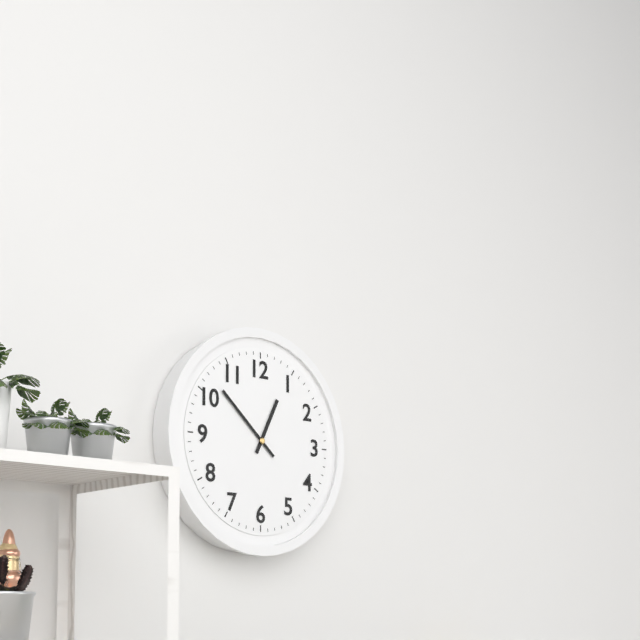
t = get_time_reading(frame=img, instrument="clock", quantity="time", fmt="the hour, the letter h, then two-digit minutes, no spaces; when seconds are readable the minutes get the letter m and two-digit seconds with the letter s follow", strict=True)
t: 12h52
